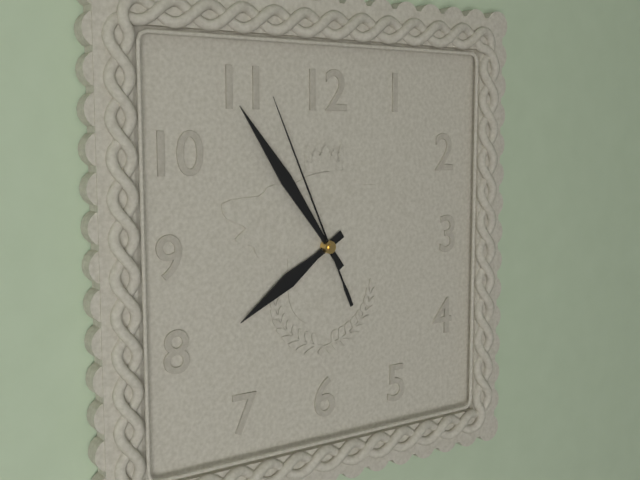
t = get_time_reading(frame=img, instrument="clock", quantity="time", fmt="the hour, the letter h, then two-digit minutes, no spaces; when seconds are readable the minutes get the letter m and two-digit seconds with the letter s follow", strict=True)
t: 7h54m56s
